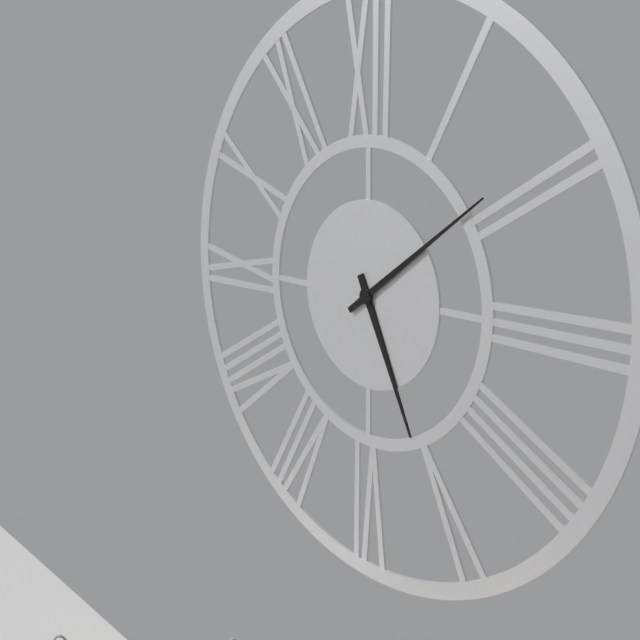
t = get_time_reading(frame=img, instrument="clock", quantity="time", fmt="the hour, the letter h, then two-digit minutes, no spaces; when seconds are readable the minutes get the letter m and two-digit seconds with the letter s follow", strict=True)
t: 5h09
